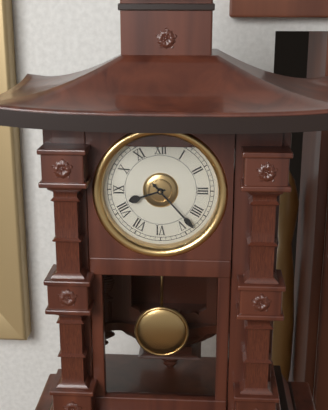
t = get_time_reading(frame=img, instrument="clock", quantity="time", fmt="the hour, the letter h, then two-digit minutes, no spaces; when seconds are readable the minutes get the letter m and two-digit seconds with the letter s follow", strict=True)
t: 8h23
